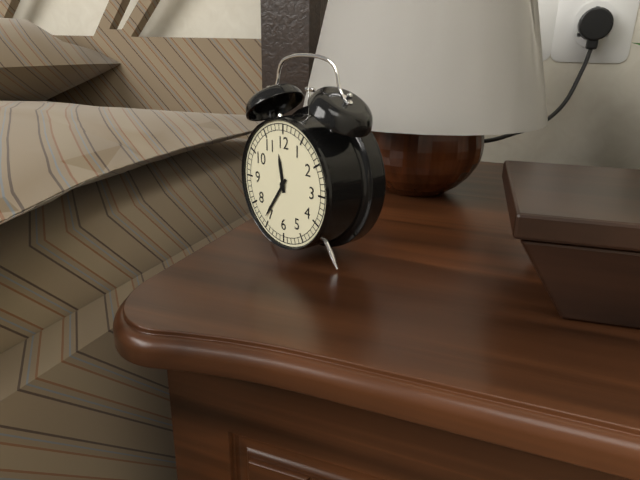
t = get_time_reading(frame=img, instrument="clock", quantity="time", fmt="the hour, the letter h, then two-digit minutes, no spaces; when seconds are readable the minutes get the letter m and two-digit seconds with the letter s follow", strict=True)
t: 11h36
